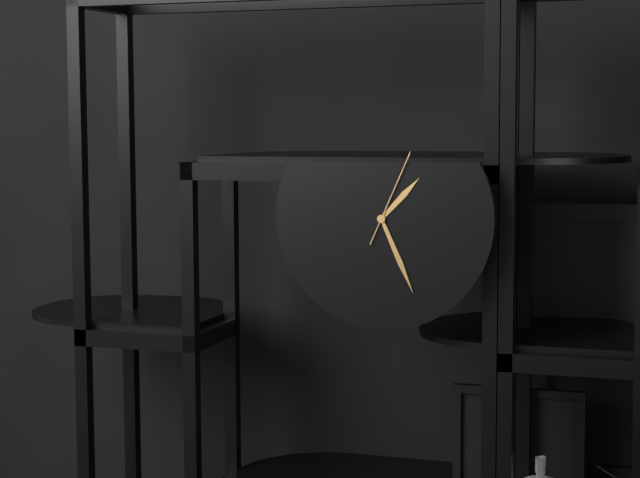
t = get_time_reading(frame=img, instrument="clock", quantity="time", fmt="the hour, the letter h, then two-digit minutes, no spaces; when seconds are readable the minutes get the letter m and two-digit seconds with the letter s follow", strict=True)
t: 1h26m04s
